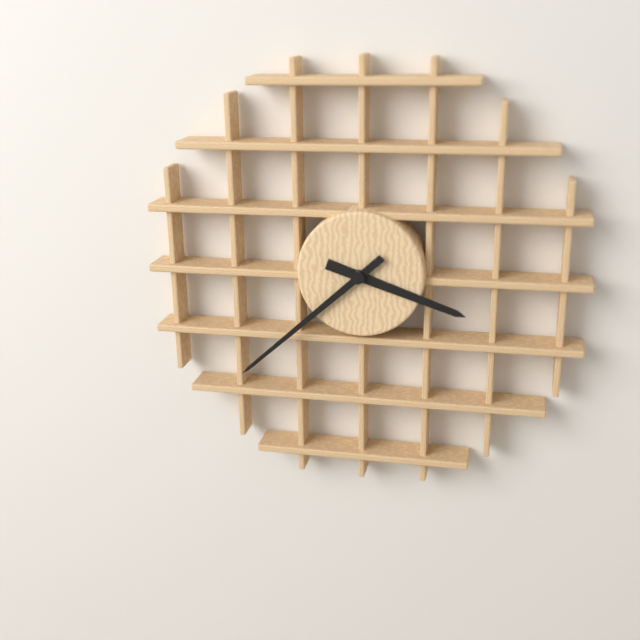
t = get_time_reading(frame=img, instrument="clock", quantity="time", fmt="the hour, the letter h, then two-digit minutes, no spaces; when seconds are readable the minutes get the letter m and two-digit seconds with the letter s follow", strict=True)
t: 3h38
